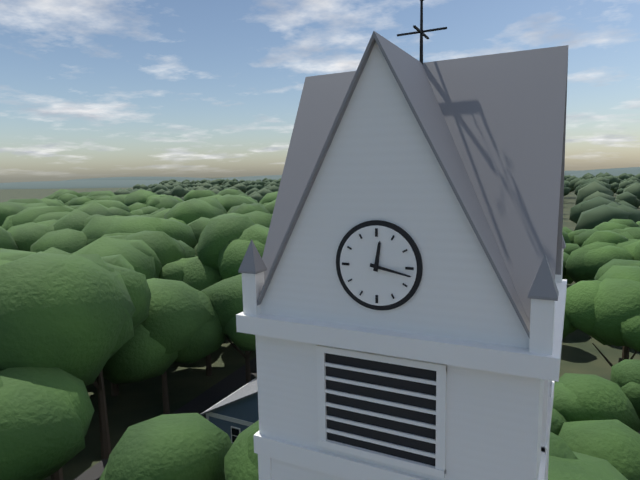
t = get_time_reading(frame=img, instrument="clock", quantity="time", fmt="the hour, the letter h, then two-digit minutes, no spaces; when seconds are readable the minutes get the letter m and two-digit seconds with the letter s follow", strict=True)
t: 12h17
